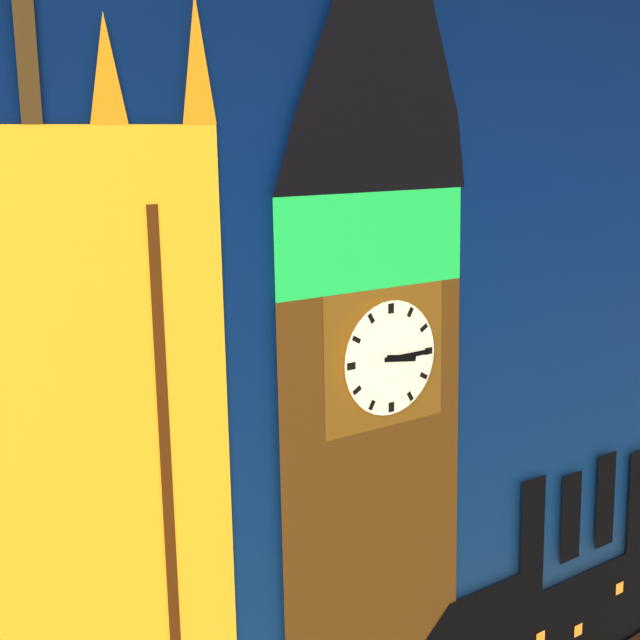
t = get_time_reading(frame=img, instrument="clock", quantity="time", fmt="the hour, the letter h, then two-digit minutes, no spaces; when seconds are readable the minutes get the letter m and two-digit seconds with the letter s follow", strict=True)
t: 3h15
